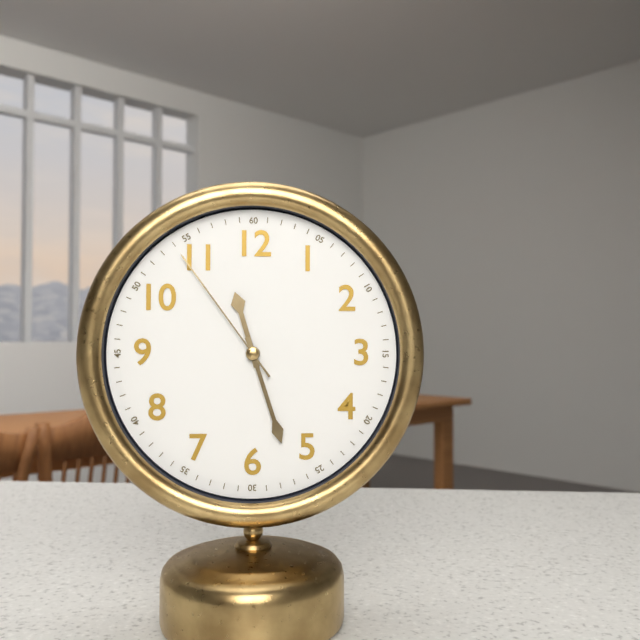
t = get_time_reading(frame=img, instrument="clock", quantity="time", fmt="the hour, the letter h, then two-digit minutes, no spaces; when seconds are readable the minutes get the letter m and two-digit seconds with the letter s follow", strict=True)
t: 11h27m54s
